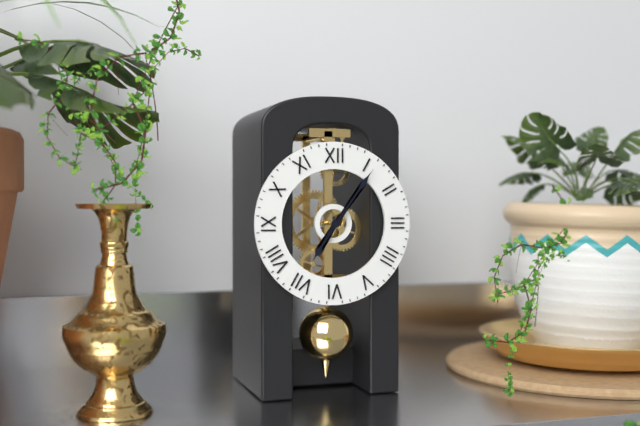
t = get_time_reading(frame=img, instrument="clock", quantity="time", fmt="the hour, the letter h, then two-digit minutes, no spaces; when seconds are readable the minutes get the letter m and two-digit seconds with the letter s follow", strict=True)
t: 7h06
